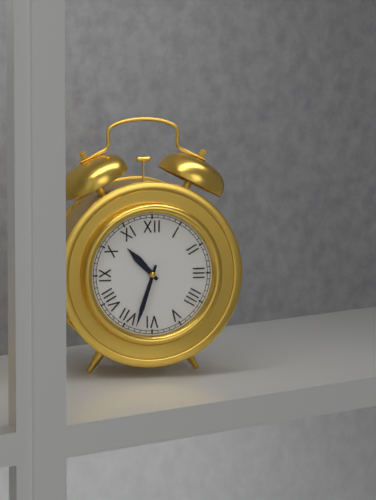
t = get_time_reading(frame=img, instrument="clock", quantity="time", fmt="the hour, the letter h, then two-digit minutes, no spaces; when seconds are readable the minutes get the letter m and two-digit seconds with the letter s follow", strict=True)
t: 10h33
